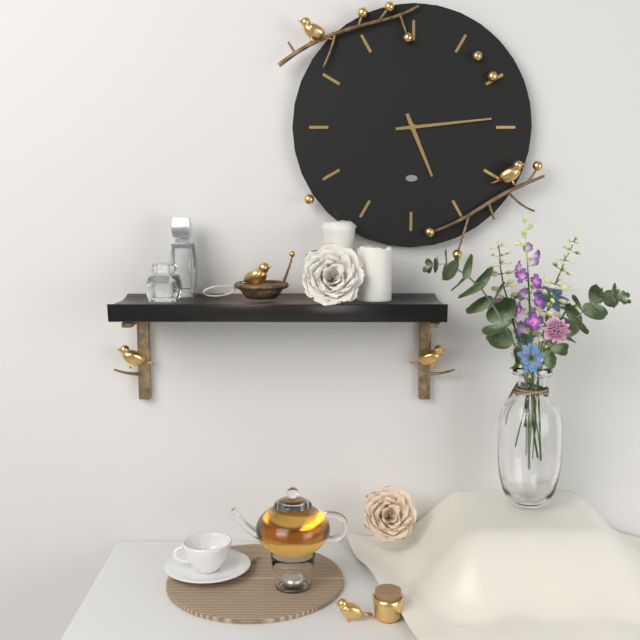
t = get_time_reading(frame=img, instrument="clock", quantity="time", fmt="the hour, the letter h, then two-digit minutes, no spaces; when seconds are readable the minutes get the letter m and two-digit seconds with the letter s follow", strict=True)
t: 5h14
